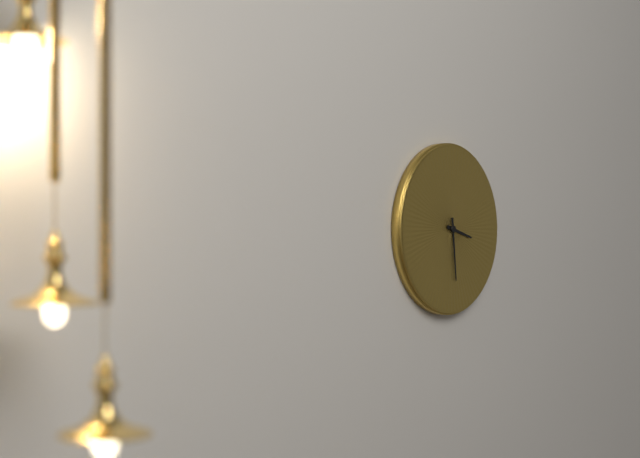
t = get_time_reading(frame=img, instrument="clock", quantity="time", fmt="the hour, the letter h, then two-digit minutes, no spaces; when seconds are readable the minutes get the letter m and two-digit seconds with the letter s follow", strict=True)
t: 3h29
